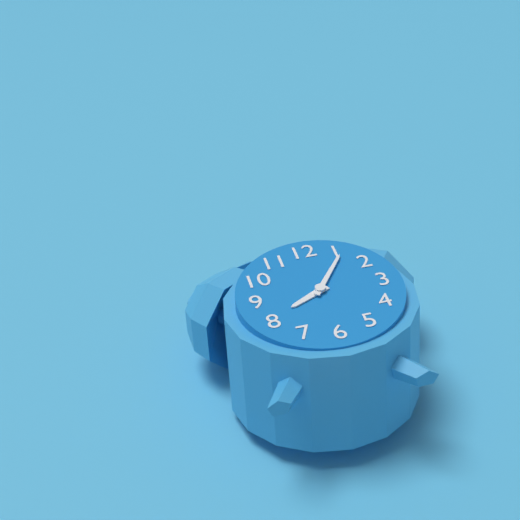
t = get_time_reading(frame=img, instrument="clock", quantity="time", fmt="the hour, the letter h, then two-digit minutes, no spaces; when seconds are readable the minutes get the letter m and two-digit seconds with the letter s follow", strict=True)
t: 8h06
